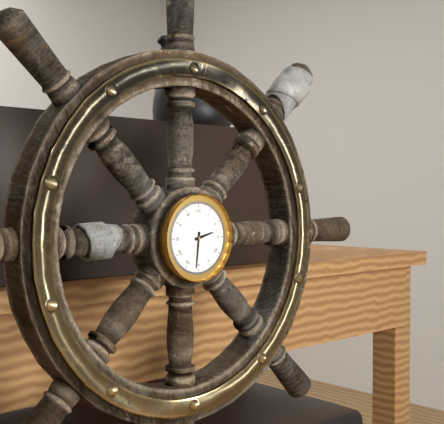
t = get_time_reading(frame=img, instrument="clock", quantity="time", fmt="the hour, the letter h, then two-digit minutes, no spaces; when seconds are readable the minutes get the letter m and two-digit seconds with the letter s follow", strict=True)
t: 2h31
